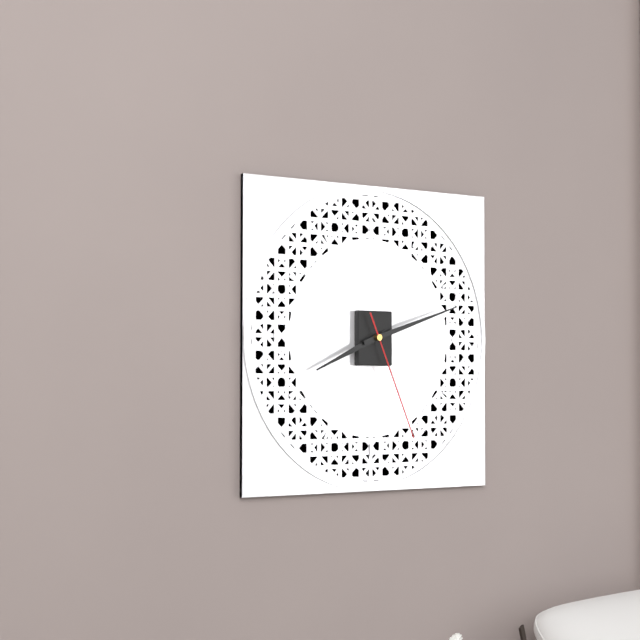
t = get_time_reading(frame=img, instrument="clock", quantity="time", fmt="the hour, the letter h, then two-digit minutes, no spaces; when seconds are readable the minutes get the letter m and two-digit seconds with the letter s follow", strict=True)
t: 8h12m26s
